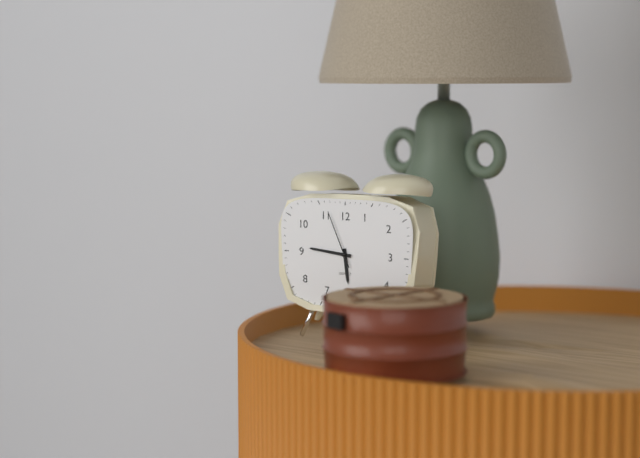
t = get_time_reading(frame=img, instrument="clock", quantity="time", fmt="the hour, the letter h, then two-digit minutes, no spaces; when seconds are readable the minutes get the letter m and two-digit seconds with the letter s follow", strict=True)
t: 5h46m56s
